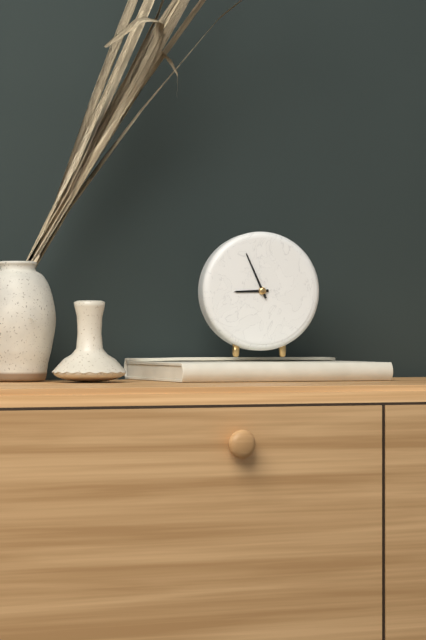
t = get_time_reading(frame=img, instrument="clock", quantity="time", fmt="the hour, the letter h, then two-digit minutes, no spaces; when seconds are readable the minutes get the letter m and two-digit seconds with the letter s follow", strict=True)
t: 8h56
